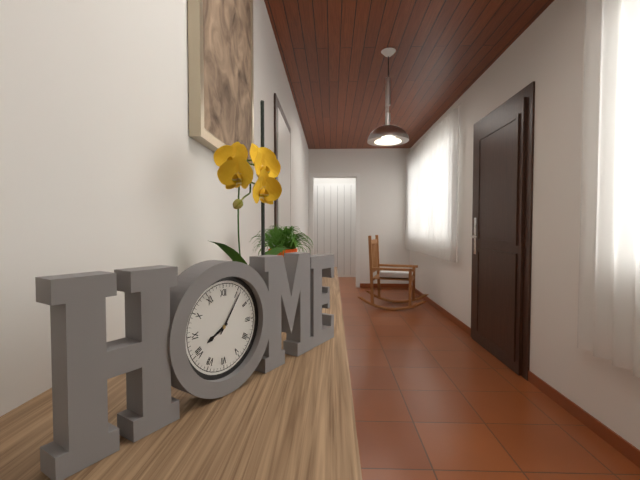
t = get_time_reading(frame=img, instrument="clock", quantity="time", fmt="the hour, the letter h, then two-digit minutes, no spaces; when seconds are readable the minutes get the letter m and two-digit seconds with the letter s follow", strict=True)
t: 8h06
